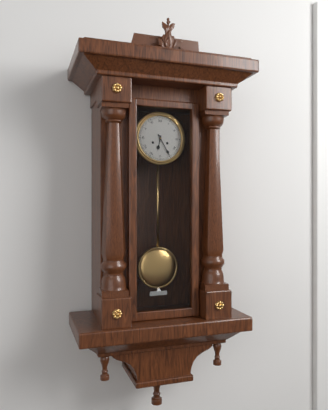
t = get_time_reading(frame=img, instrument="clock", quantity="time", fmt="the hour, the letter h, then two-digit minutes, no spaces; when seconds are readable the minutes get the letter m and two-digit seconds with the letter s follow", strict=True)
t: 6h25
